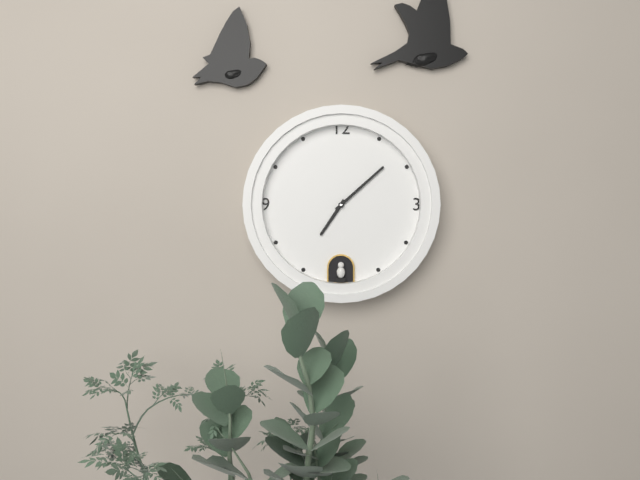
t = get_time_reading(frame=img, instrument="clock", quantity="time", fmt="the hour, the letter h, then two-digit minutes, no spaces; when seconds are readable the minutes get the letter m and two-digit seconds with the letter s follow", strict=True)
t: 7h08
